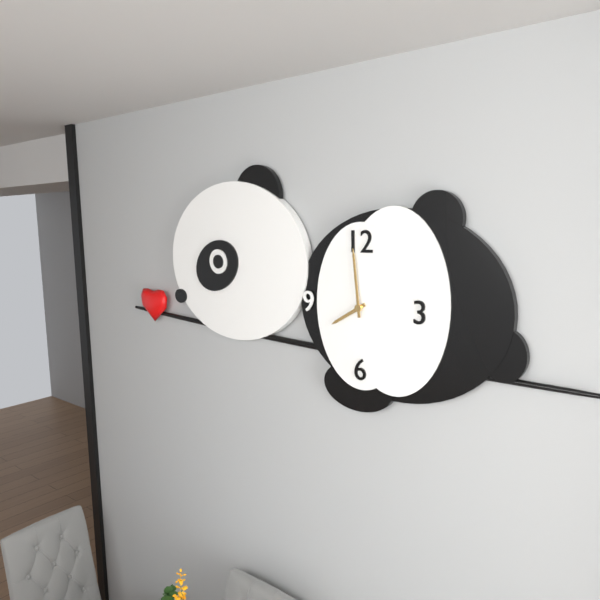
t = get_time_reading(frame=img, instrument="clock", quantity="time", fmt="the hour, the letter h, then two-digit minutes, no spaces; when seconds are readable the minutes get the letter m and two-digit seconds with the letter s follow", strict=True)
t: 7h59
